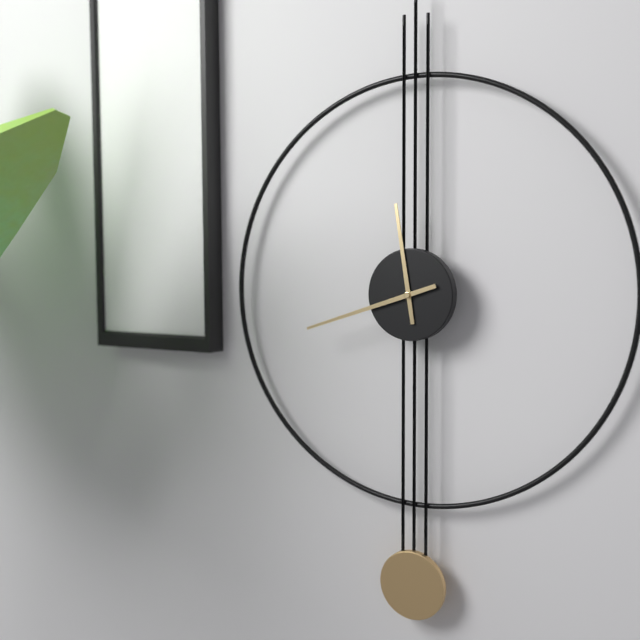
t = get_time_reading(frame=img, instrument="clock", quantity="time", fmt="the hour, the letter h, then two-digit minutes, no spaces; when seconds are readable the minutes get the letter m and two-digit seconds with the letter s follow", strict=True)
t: 11h42
